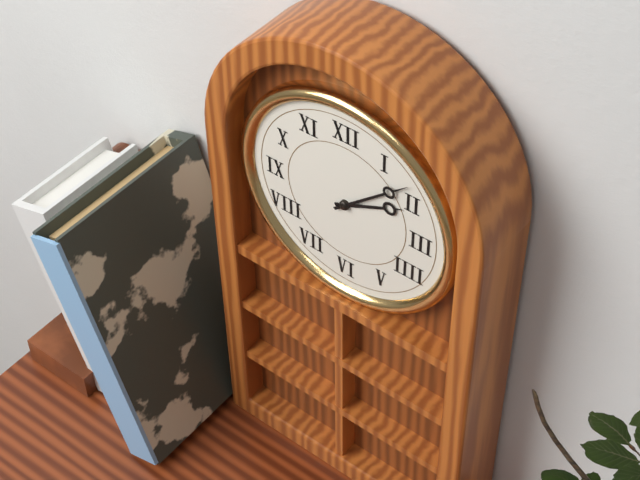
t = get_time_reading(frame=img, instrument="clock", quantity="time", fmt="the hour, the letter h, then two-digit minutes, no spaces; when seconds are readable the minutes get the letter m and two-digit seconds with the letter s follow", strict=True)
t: 2h08
